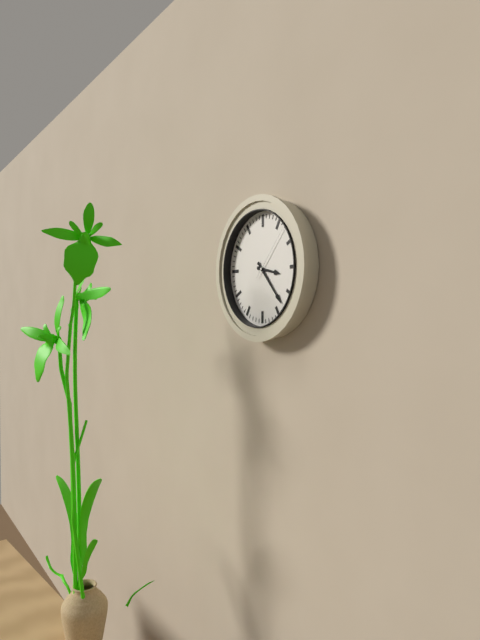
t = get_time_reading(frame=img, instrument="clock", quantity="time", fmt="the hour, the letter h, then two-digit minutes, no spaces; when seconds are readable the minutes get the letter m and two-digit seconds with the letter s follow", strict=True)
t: 3h23m07s
